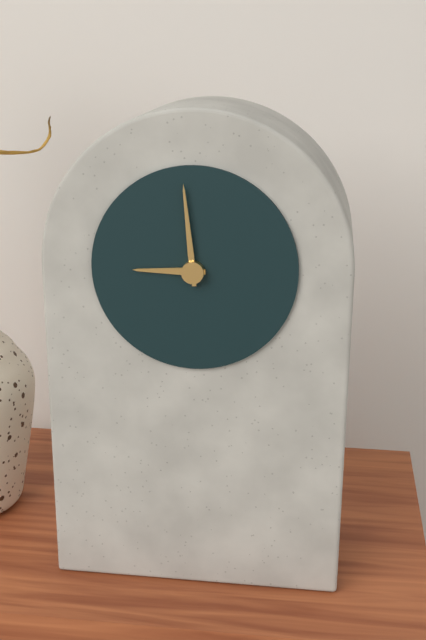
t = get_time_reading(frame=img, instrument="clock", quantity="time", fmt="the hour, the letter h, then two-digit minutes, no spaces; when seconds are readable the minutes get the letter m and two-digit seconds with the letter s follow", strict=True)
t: 8h59
